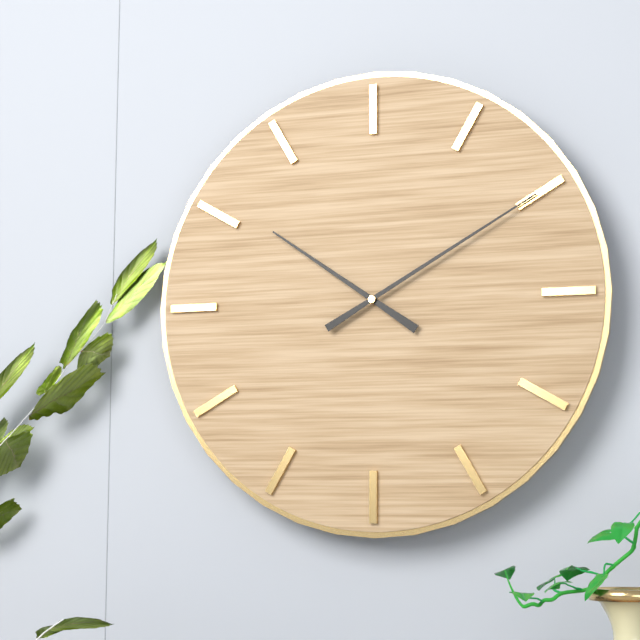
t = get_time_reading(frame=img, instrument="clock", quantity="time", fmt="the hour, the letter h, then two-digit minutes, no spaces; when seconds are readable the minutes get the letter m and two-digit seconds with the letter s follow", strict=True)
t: 10h10
